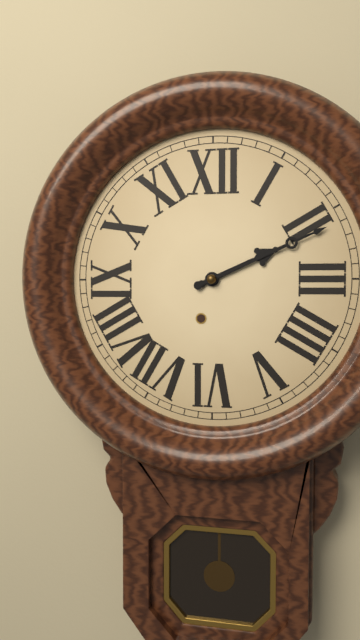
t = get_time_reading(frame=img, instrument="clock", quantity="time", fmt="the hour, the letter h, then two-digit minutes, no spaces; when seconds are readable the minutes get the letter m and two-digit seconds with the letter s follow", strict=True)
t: 2h11
